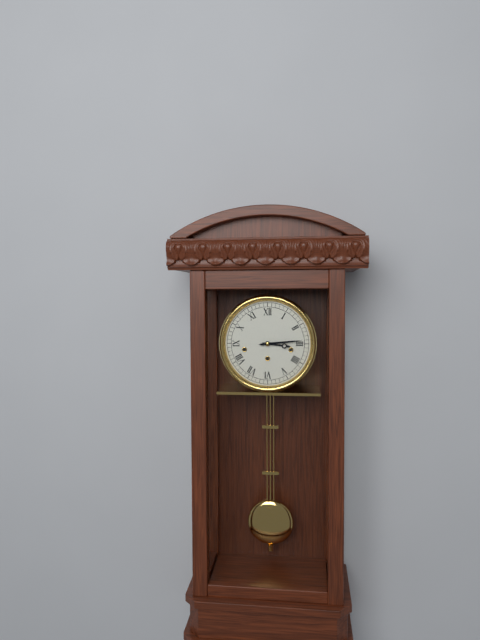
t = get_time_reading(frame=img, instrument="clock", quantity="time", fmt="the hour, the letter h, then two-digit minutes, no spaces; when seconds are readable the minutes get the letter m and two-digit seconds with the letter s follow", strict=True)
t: 3h14
